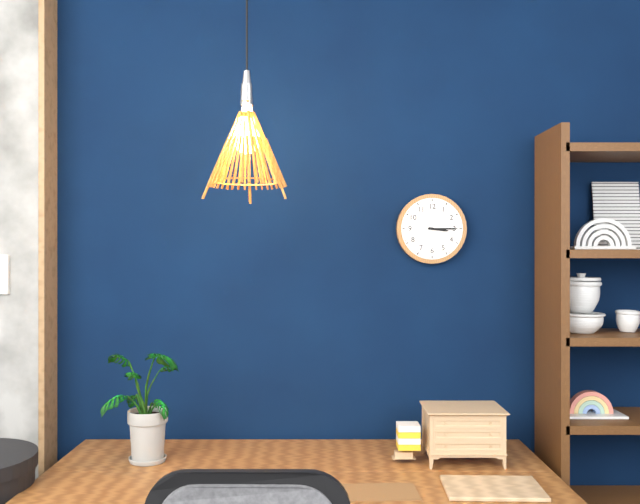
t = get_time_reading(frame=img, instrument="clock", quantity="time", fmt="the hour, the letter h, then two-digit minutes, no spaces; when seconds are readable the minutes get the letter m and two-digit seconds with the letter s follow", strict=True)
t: 3h15
